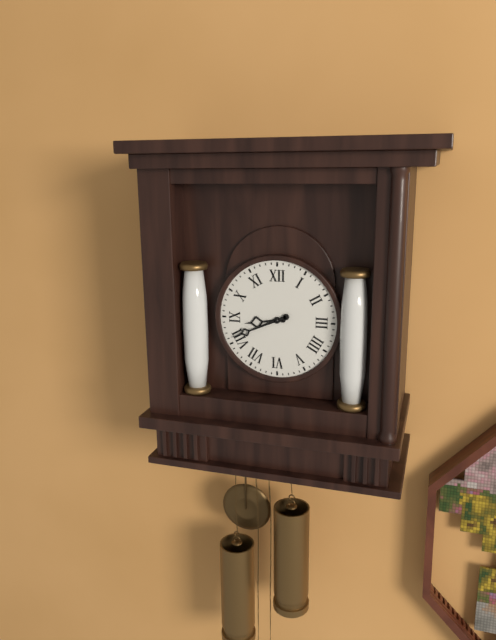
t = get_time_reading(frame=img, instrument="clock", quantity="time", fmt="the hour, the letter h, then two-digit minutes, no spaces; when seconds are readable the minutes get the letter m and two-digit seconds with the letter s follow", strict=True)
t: 8h41
